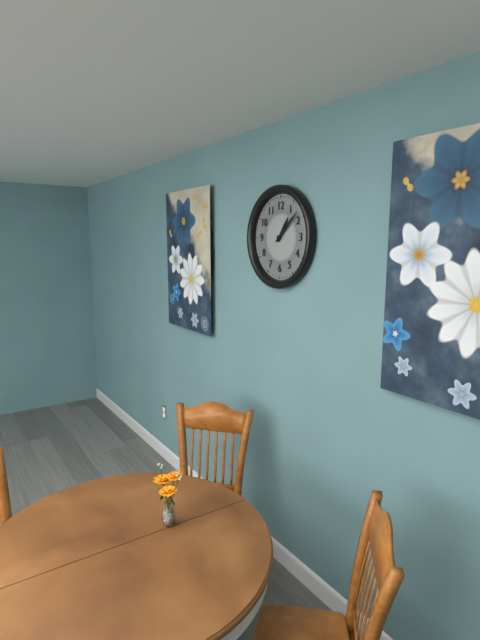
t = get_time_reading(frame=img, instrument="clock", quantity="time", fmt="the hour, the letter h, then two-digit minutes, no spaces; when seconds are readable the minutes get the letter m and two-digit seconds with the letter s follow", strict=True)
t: 1h08
